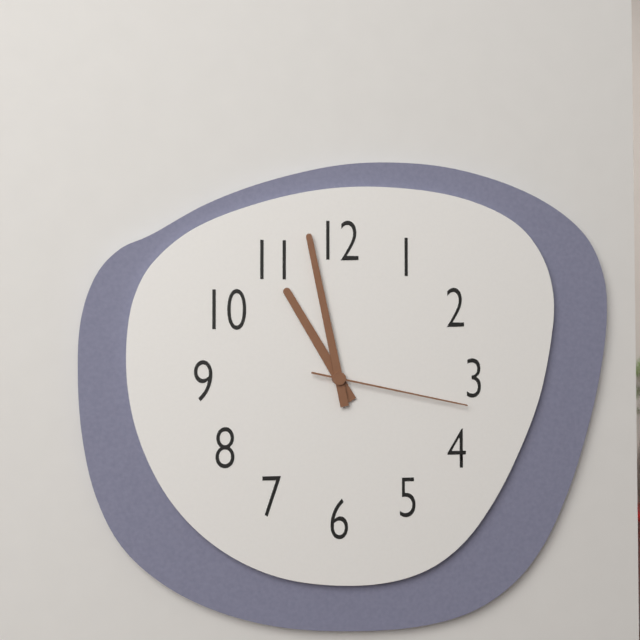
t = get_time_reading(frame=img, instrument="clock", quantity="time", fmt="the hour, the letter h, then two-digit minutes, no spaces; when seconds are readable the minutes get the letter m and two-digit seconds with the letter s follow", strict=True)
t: 10h58m17s
